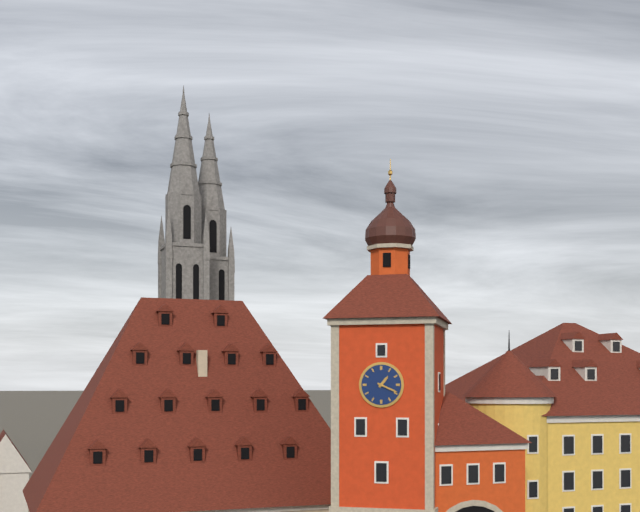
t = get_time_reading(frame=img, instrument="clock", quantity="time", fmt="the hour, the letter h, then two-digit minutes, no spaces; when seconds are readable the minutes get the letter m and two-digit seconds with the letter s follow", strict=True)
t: 1h19
